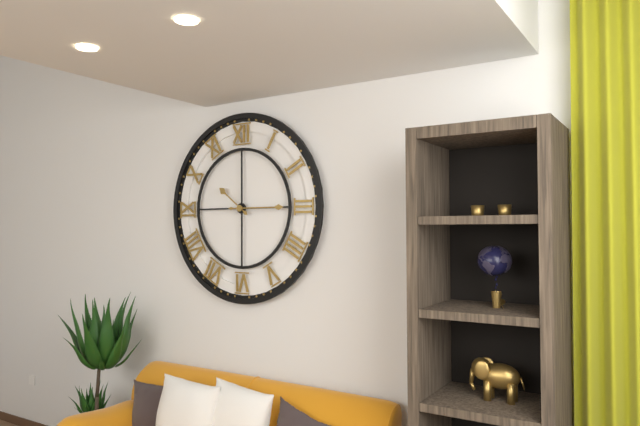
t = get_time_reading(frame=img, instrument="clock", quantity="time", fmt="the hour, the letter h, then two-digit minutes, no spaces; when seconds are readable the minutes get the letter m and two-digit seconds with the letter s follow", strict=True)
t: 10h15
